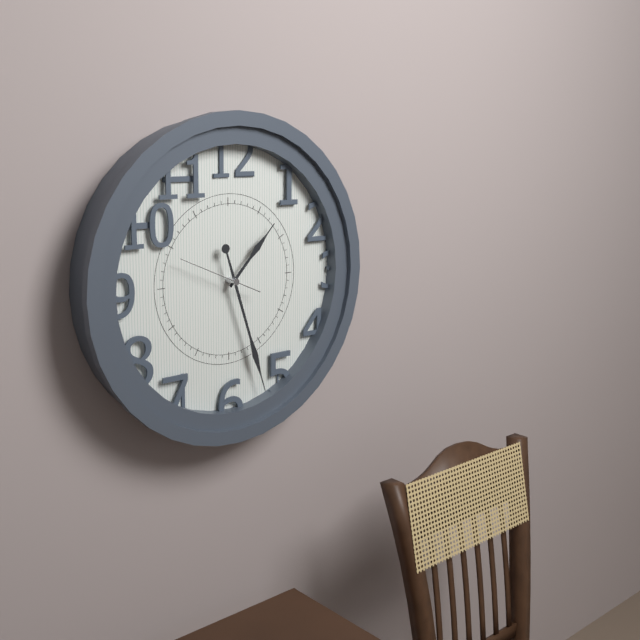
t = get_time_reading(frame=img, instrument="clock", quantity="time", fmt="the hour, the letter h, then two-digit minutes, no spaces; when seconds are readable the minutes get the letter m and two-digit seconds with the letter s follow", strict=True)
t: 1h27m49s
